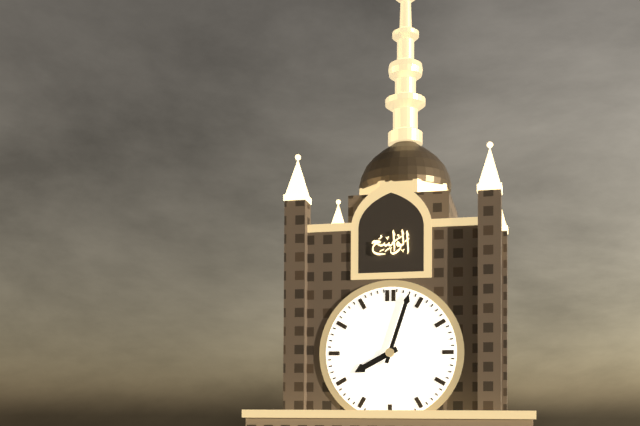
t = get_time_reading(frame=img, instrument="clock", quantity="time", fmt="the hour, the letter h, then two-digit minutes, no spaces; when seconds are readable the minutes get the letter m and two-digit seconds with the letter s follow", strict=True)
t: 8h03
